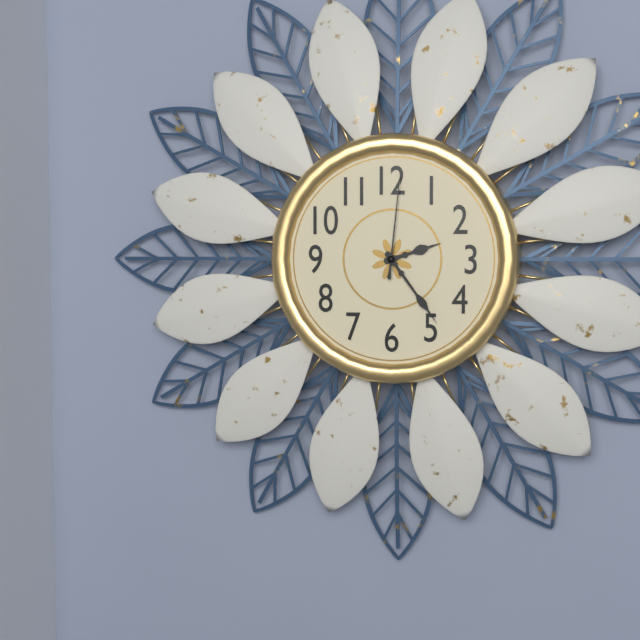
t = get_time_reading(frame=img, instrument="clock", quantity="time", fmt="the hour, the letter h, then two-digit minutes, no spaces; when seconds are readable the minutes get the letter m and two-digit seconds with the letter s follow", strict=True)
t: 2h24m01s
